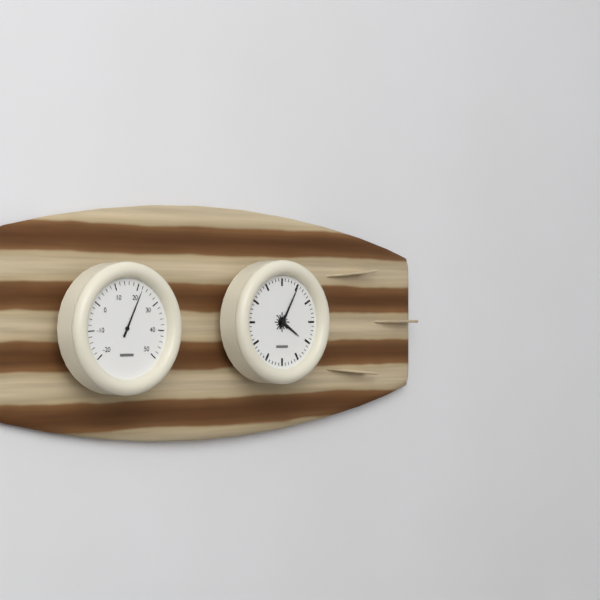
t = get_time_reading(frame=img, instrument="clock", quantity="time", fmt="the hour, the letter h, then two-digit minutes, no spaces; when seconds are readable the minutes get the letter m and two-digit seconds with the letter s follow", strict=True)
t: 4h05
